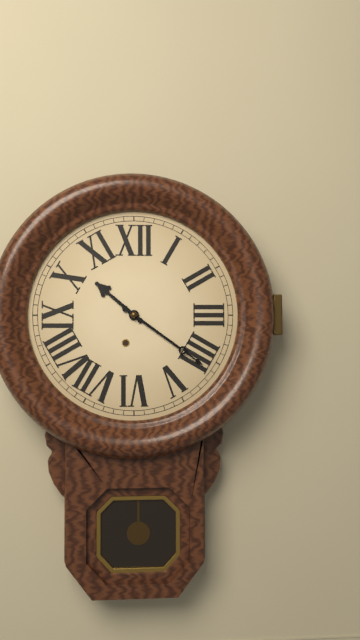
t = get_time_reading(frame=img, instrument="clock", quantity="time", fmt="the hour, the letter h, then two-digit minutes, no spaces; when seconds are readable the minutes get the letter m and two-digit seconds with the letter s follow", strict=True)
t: 10h21
